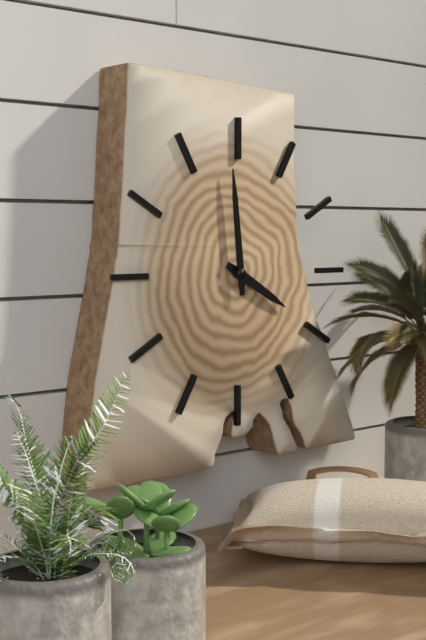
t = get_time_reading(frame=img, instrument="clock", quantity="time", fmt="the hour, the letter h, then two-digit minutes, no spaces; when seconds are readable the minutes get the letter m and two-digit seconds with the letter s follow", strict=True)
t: 3h59
